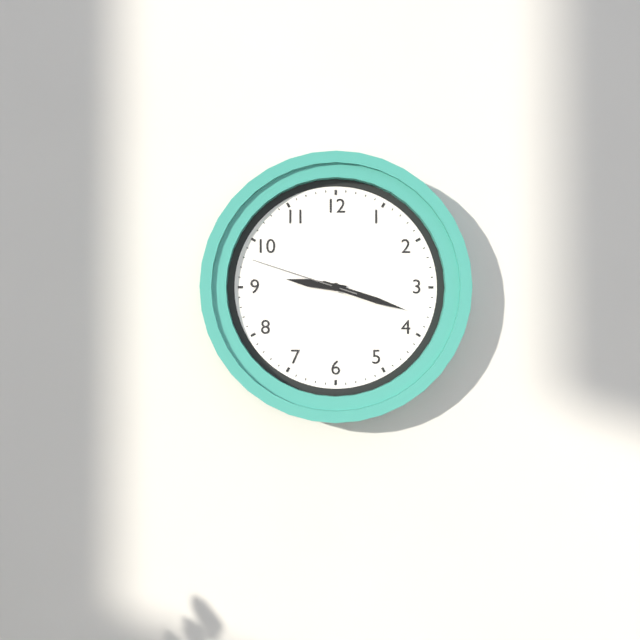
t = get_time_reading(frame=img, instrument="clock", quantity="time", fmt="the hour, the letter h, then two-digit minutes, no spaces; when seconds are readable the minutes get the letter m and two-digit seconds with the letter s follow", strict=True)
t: 9h18m48s
